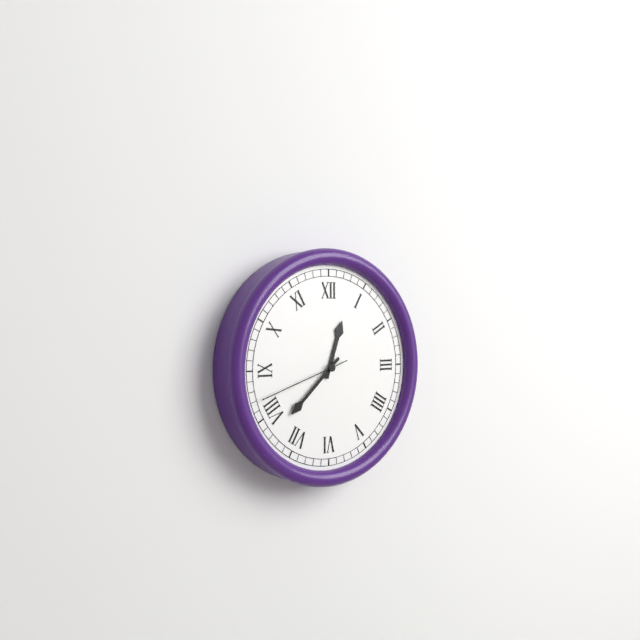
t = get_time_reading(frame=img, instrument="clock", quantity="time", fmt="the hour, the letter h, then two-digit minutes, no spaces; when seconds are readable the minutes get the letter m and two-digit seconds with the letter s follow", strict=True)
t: 12h38m42s
